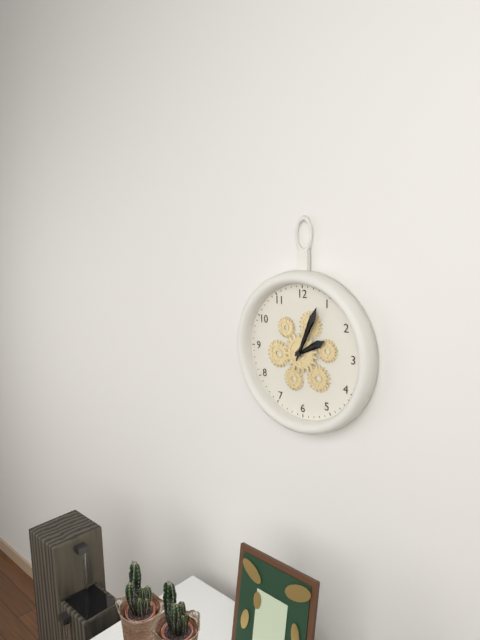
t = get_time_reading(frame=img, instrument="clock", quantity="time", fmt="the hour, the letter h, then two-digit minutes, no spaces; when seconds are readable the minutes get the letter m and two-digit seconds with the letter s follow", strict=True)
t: 2h04
